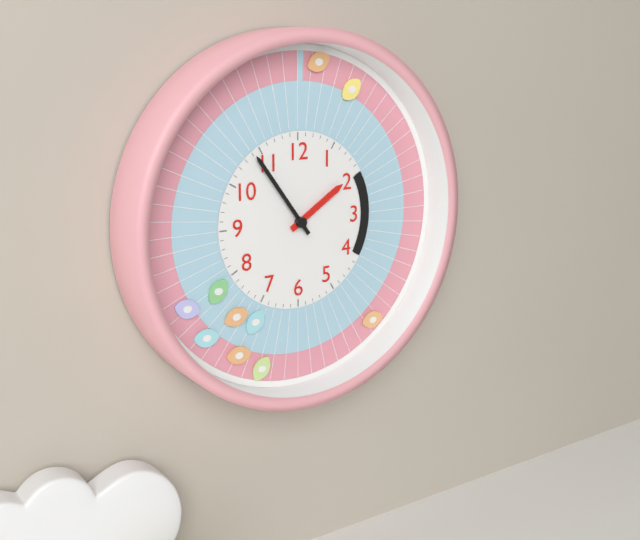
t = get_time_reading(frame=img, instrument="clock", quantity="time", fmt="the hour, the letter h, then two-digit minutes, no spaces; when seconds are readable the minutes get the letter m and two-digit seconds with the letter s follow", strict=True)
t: 1h54
